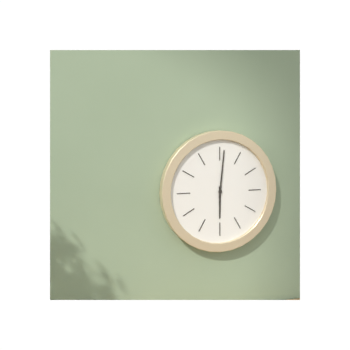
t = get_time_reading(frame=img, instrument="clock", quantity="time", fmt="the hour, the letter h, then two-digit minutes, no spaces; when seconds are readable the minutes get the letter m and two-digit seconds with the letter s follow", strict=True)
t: 6h01
